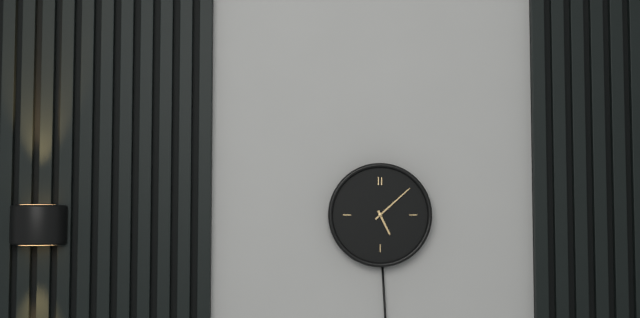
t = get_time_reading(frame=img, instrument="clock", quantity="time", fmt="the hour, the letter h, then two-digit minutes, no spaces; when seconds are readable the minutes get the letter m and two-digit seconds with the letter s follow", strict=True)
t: 5h08
